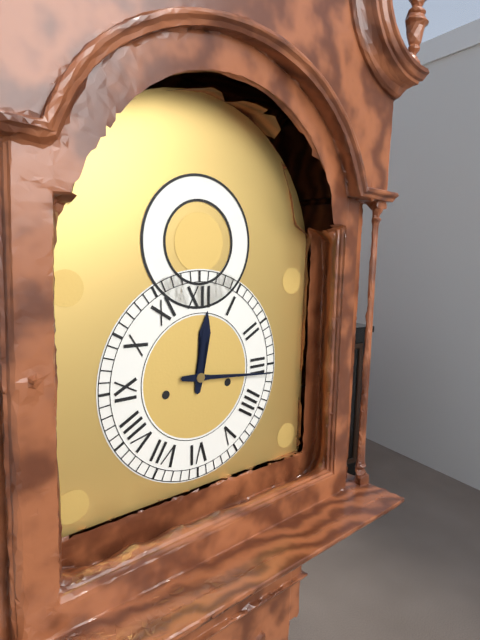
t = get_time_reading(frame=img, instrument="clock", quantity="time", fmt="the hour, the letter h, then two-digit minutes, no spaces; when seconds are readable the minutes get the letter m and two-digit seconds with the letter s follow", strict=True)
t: 12h16
